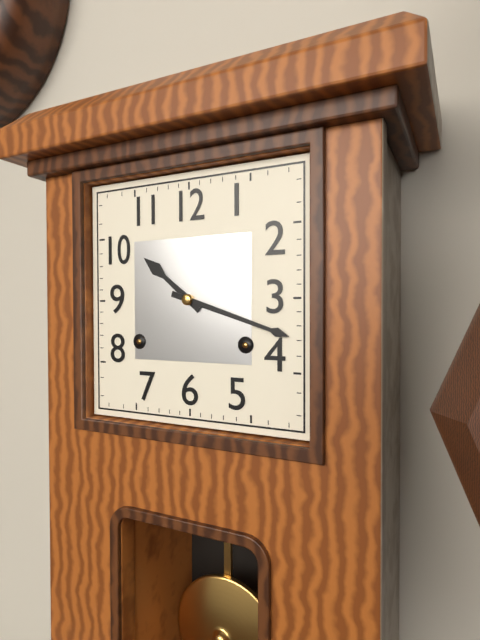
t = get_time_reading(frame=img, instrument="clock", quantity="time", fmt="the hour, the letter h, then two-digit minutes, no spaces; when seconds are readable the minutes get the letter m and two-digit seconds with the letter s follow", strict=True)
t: 10h18
